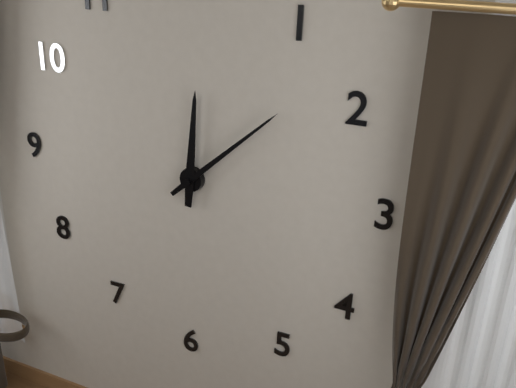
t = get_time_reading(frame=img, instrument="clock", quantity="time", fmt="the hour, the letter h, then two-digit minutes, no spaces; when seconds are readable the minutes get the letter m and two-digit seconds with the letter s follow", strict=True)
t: 12h08
